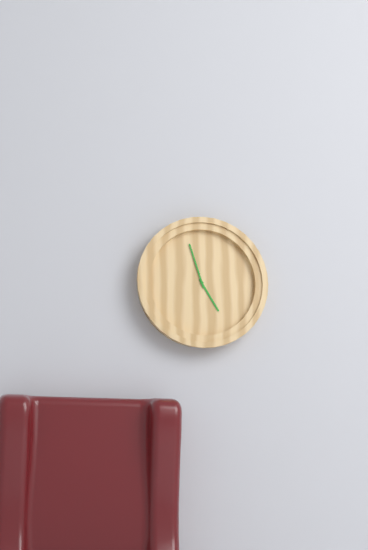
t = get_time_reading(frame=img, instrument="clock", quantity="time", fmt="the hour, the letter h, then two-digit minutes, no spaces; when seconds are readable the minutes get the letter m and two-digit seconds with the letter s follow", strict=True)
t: 4h57
